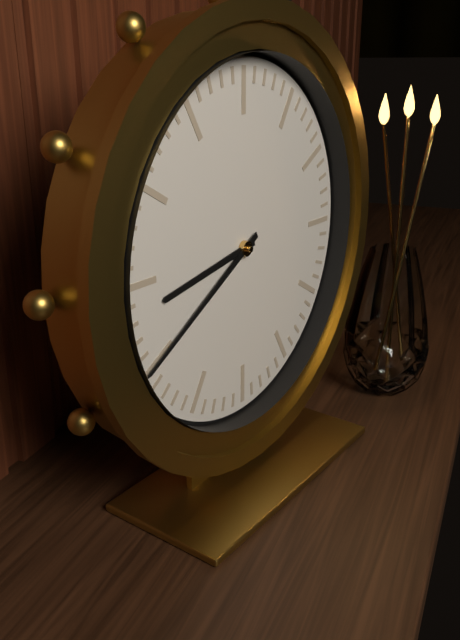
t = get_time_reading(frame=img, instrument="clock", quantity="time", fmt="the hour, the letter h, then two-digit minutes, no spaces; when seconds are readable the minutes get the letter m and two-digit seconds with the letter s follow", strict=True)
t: 8h40
